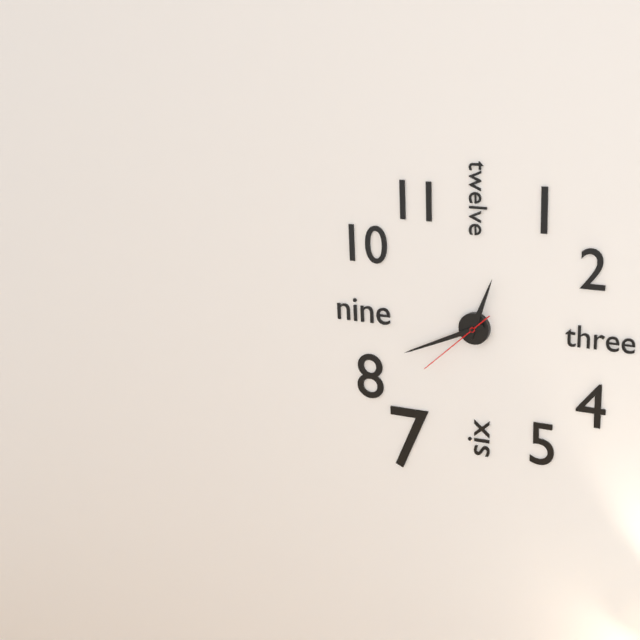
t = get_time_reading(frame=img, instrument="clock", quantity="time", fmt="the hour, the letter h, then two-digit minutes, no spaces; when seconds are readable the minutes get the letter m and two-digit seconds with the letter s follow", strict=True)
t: 12h41m38s
